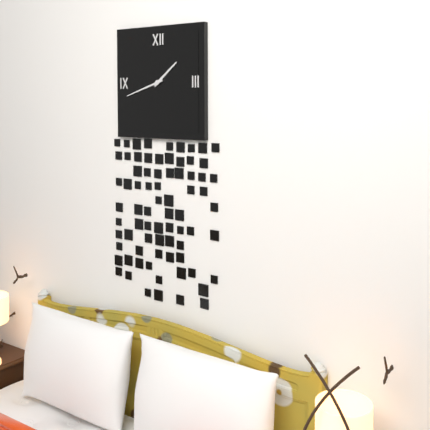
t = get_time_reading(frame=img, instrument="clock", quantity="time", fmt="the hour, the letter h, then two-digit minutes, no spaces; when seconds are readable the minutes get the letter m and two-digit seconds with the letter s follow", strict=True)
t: 1h42
